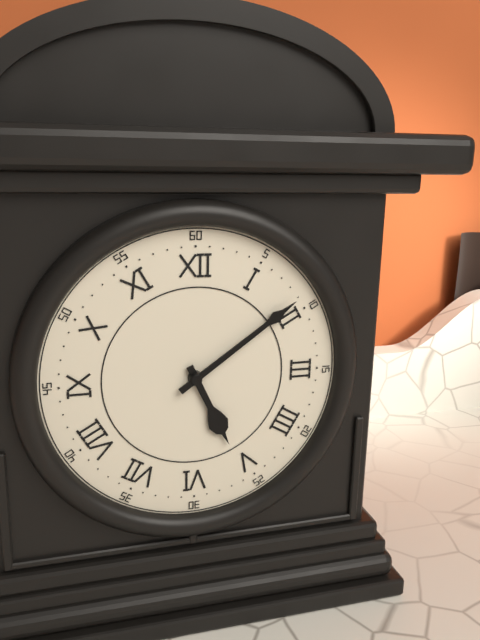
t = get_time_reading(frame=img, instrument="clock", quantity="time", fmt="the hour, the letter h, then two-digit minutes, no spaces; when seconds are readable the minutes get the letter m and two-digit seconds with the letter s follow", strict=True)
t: 5h09
